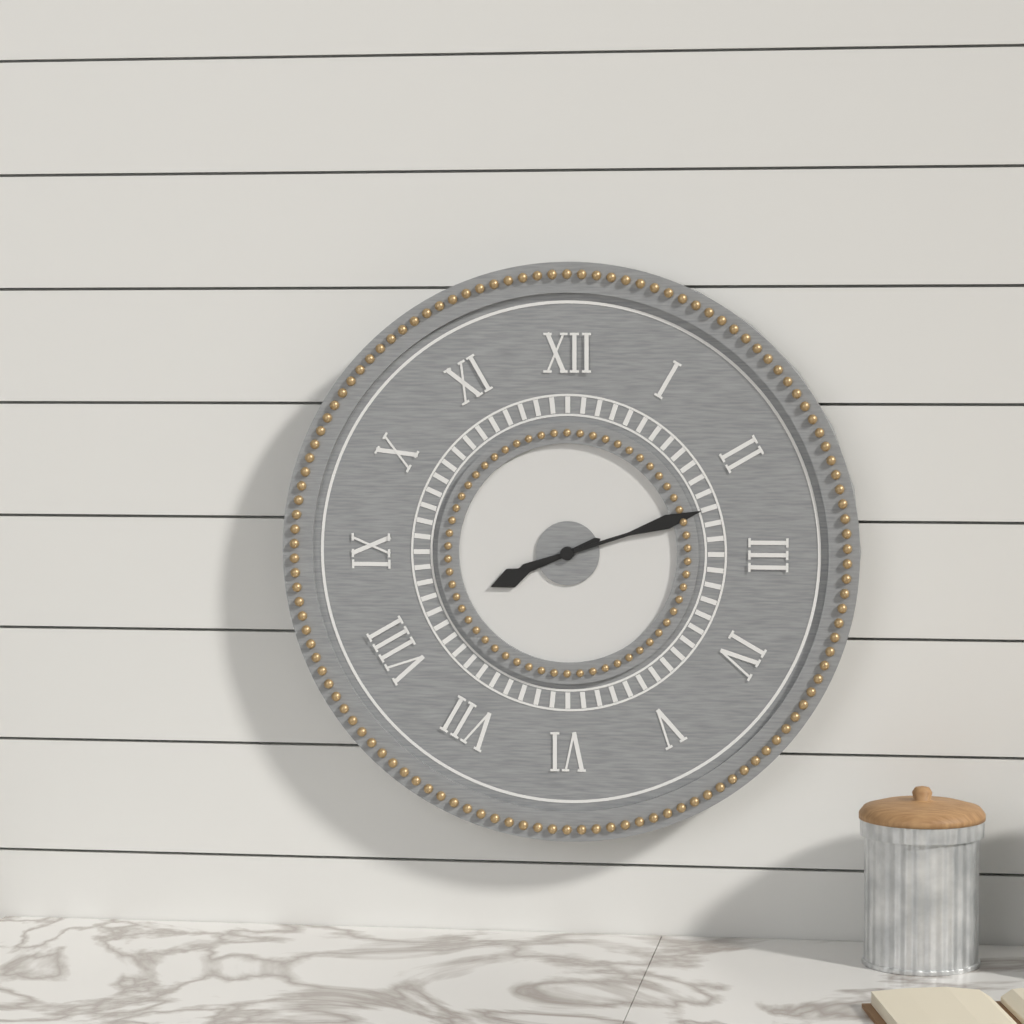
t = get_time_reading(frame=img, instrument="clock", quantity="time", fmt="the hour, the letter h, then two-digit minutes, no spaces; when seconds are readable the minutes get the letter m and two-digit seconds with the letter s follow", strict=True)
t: 8h12
